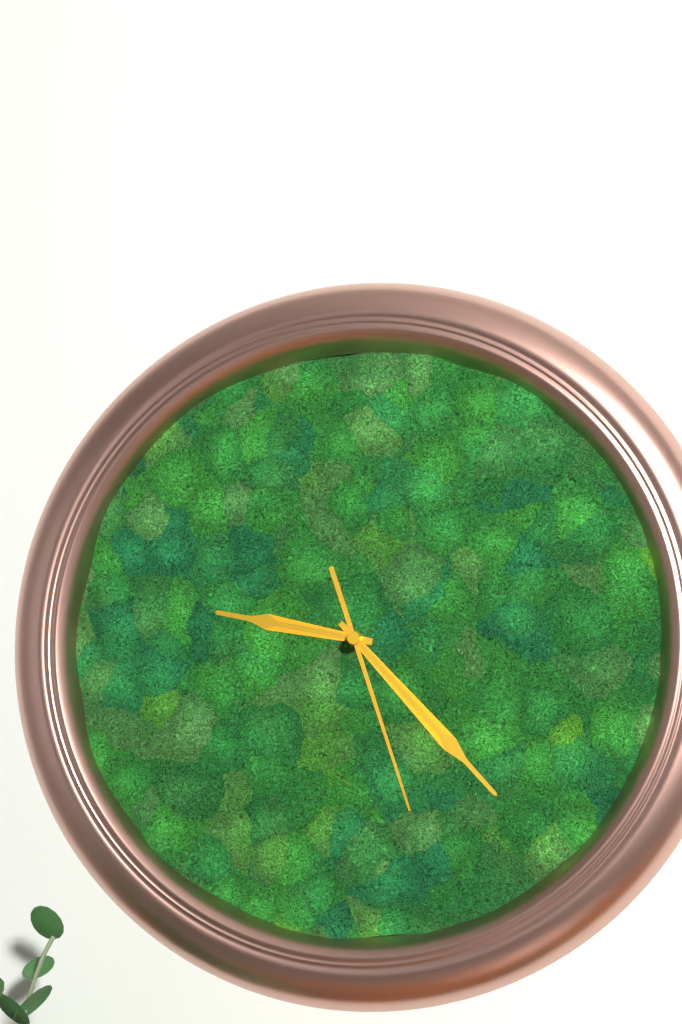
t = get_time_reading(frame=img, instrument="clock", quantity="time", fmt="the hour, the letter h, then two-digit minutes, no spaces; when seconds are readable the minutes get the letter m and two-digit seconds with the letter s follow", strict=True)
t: 9h23m27s
